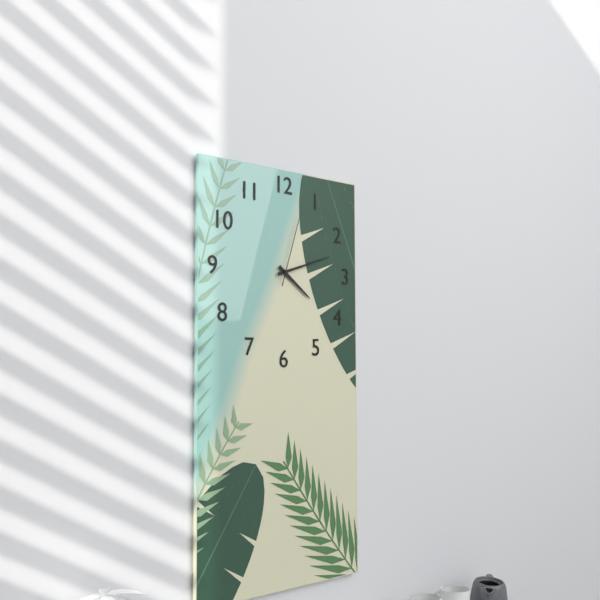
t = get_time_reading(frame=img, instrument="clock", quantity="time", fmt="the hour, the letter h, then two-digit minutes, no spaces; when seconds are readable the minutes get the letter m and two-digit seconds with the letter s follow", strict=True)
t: 4h12m03s
